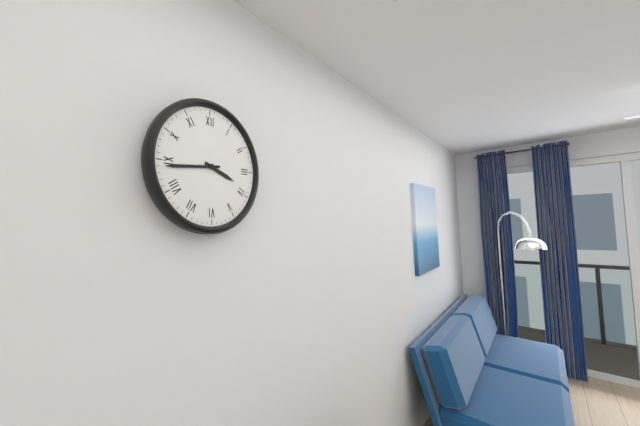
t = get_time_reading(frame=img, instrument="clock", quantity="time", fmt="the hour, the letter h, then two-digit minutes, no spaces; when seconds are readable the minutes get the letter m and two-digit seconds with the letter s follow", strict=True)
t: 3h44
